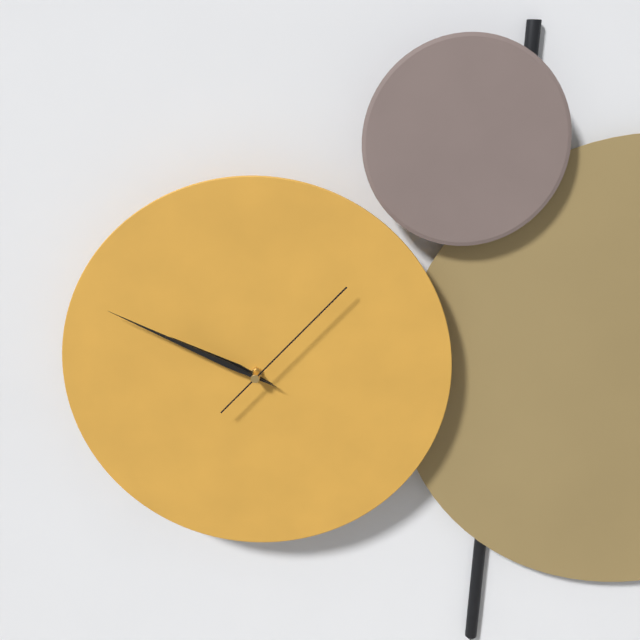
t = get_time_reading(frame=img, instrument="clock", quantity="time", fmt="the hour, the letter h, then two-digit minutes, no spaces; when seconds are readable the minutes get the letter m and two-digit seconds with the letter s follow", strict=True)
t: 9h49m07s
